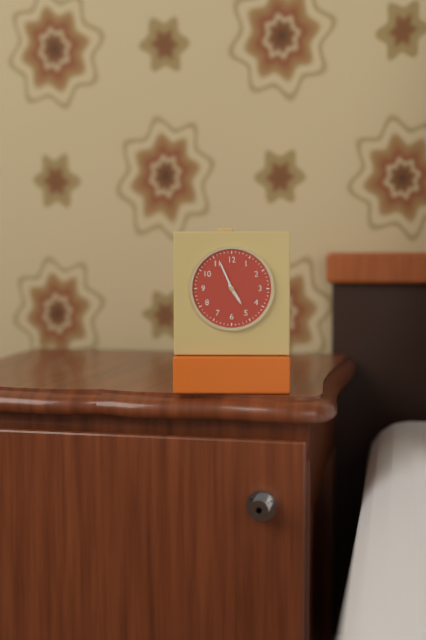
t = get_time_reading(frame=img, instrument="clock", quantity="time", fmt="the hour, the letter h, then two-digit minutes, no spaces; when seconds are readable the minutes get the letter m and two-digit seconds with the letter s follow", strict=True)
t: 4h56
